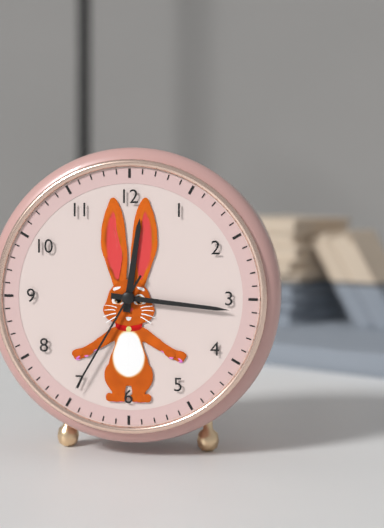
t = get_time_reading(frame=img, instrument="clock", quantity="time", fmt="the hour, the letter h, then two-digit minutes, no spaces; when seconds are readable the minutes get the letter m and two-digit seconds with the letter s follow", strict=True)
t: 12h16m35s
